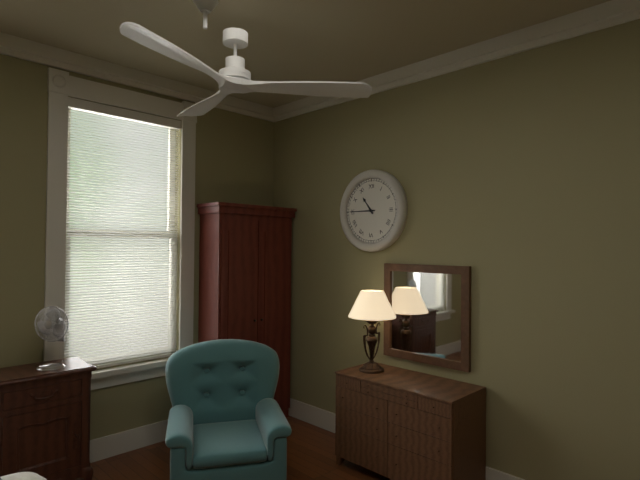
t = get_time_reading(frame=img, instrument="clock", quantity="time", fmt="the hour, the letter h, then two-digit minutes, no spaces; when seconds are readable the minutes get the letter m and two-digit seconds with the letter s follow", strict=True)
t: 10h45
